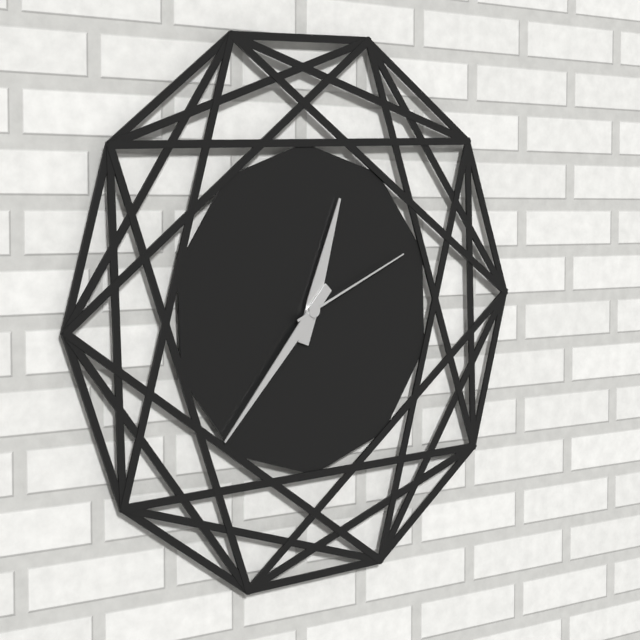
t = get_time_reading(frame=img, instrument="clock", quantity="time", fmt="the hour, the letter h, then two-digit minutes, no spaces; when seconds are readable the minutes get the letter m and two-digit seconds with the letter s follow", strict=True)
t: 12h37m11s
